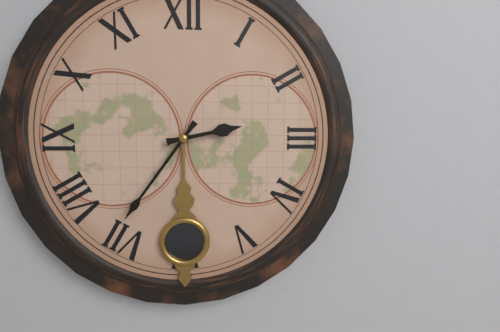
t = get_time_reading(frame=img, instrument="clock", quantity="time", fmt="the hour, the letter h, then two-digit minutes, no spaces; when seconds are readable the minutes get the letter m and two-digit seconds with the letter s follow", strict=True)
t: 2h36
